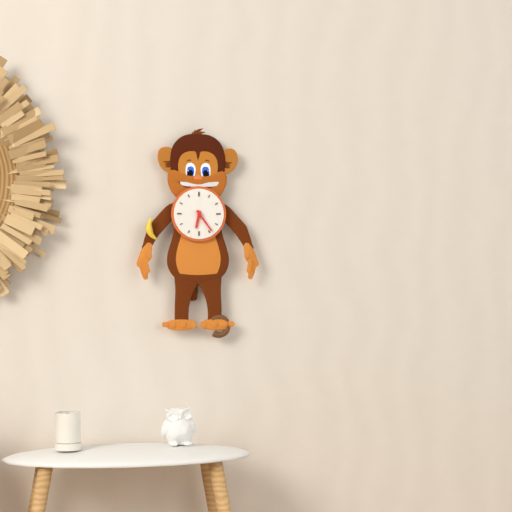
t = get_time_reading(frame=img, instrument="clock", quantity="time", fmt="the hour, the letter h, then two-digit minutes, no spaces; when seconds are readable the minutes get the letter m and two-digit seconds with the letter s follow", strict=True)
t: 6h24
